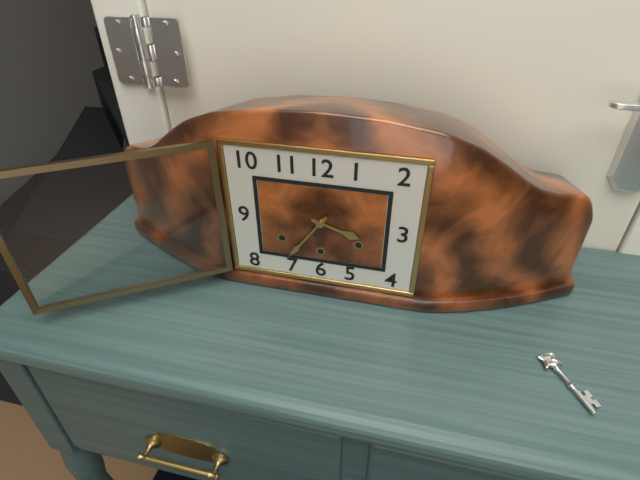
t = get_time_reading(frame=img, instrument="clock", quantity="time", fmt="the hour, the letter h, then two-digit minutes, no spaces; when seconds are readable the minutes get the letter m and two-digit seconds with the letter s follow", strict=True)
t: 3h36
